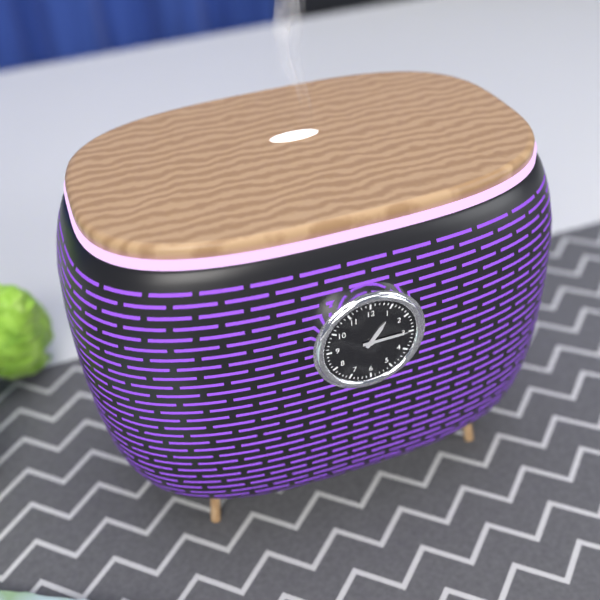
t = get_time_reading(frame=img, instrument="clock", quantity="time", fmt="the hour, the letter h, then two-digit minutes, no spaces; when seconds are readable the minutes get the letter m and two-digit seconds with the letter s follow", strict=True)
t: 1h15
